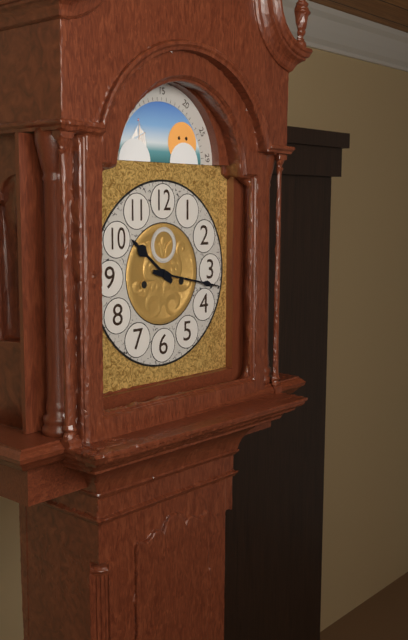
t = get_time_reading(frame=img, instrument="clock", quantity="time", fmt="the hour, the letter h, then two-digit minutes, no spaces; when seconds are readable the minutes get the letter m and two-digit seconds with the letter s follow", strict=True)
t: 10h17
